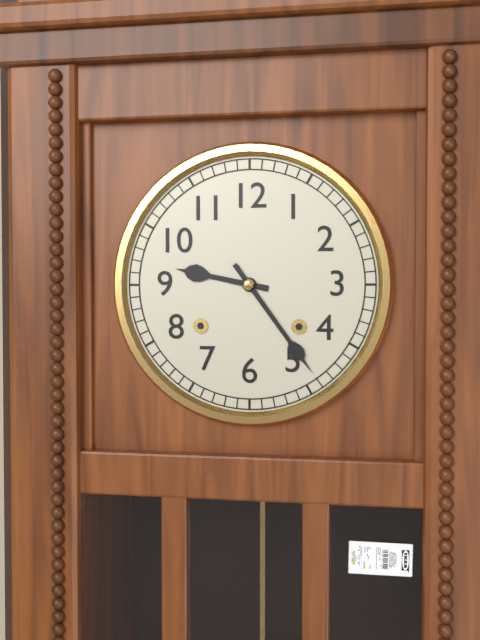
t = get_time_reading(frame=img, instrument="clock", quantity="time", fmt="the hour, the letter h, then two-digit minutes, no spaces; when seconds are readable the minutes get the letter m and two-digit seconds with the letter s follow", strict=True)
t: 9h24
